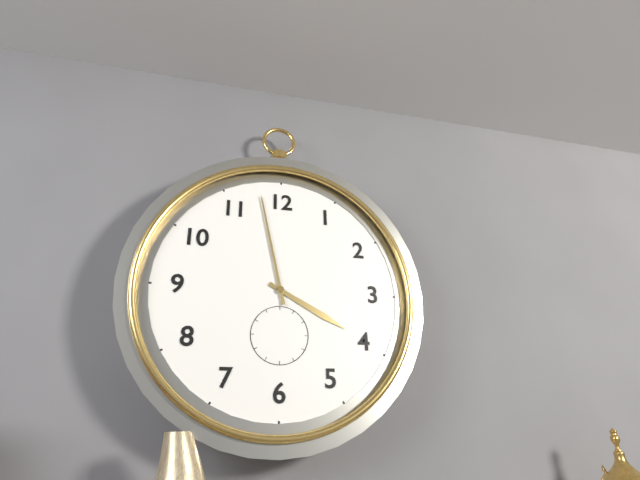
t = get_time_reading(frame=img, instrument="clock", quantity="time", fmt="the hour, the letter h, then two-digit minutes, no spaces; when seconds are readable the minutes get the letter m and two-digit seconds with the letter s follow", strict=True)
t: 3h58
